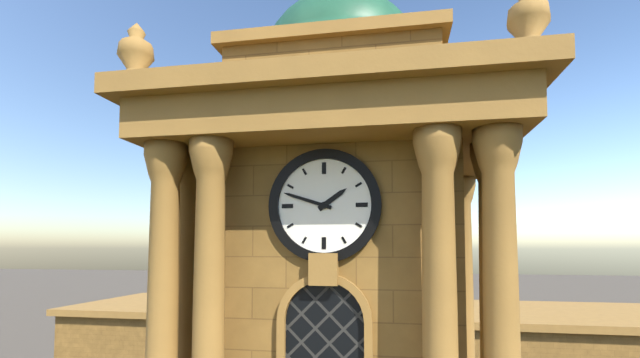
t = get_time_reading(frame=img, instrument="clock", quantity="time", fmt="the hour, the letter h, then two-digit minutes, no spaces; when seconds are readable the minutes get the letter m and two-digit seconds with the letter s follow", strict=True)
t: 1h48
